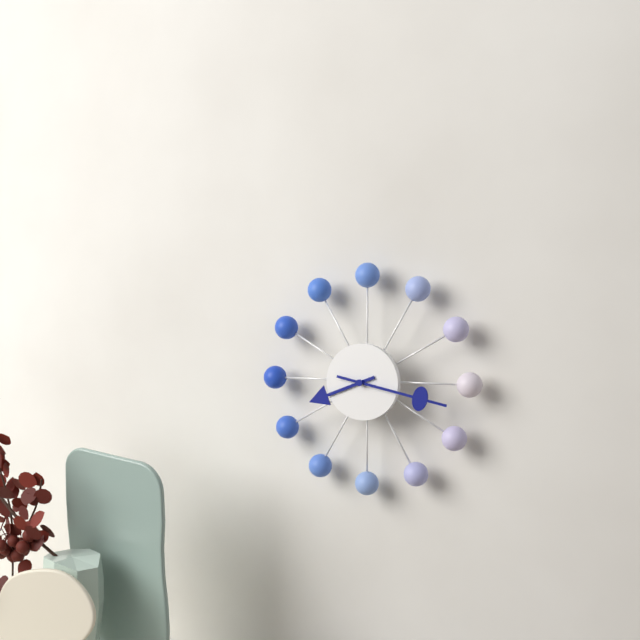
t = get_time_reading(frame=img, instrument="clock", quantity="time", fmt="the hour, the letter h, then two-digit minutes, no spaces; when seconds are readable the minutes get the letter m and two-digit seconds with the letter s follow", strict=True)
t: 8h17
